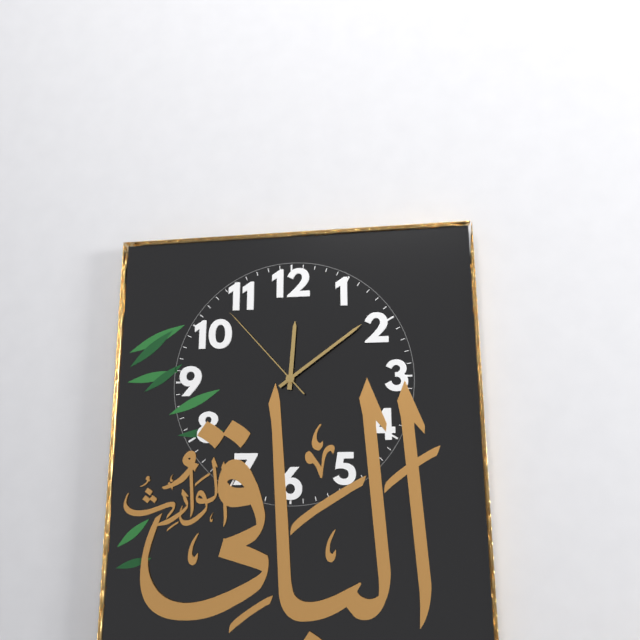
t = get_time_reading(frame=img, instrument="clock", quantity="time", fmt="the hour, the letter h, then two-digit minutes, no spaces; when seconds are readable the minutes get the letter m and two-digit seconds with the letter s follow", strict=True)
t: 12h09m53s
